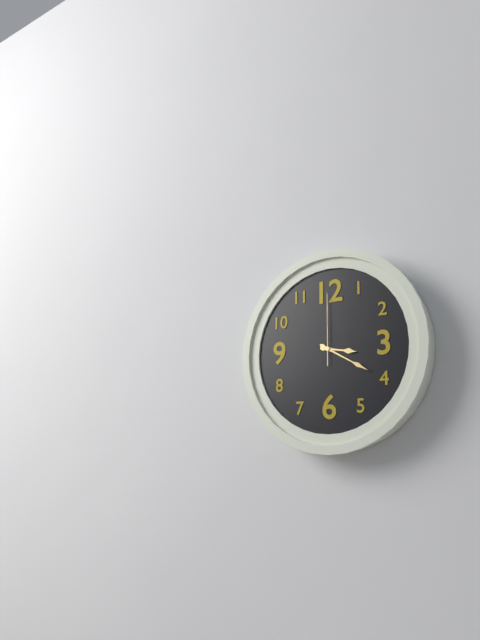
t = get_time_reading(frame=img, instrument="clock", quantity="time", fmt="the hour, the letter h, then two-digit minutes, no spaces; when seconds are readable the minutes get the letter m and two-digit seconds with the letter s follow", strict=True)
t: 3h20m00s
